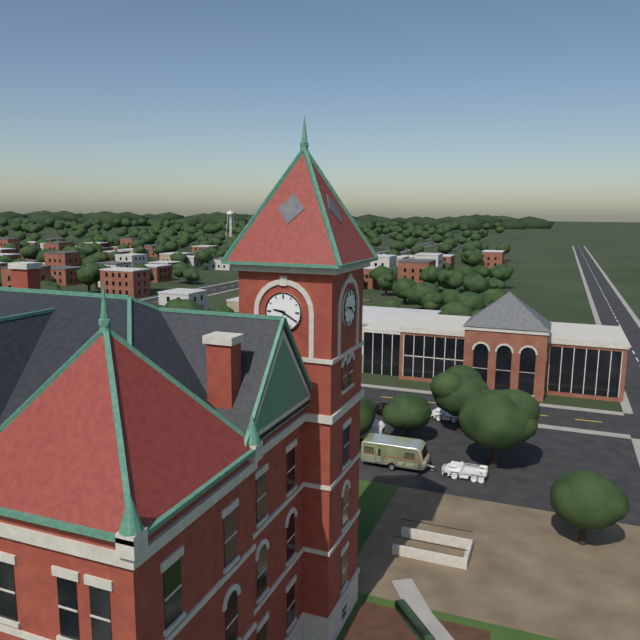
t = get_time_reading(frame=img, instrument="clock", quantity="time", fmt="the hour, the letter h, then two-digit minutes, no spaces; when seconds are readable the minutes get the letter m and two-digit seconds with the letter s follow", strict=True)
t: 9h20
